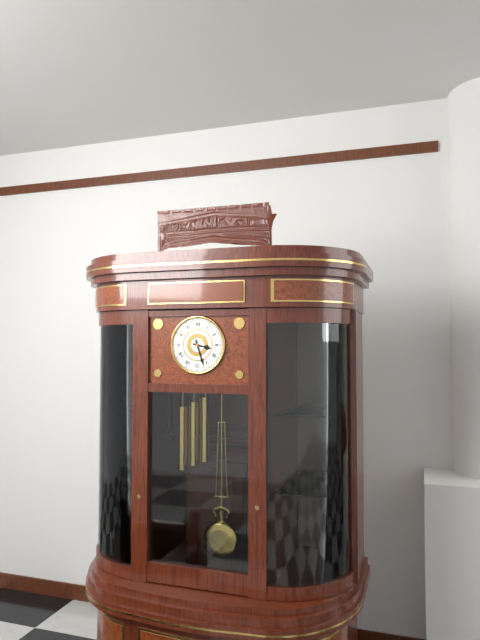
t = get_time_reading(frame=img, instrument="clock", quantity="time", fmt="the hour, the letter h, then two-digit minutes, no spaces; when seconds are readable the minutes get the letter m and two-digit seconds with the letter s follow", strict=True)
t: 3h27
